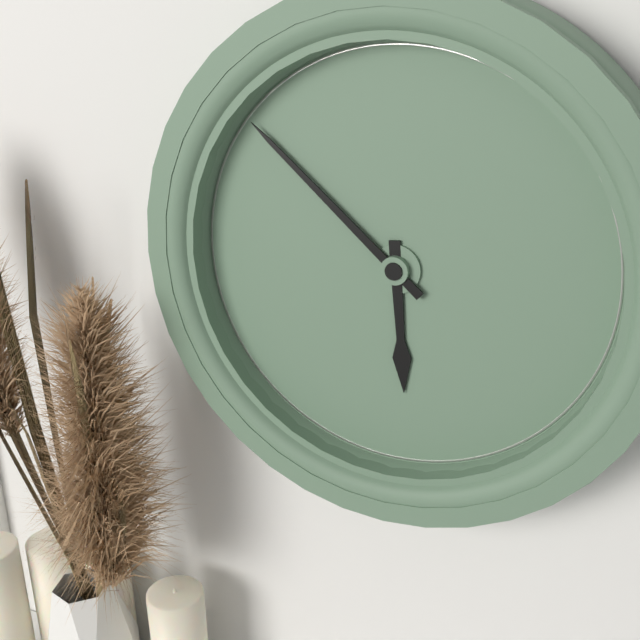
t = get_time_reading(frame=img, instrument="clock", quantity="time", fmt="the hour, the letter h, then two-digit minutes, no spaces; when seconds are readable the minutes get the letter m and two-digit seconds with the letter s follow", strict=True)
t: 5h52
